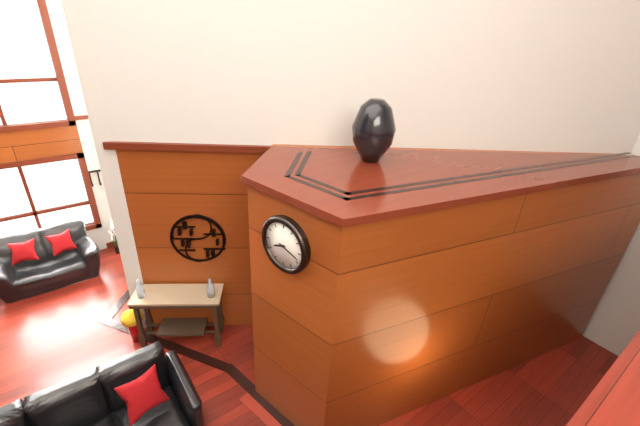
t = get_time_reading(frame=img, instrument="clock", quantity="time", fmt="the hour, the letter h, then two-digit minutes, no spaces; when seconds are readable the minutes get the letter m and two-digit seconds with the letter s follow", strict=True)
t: 8h18
